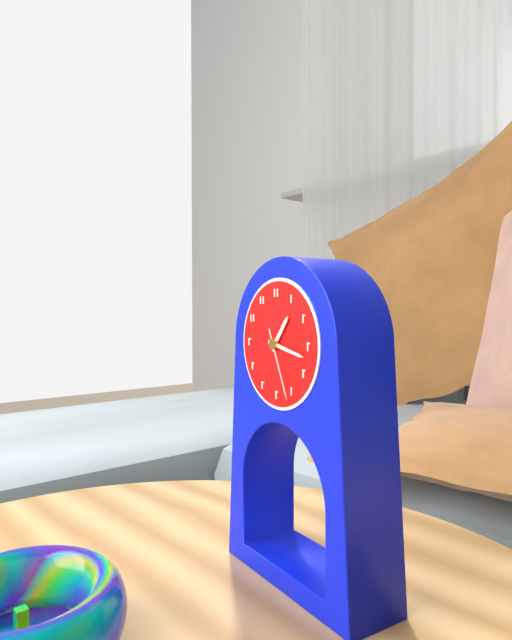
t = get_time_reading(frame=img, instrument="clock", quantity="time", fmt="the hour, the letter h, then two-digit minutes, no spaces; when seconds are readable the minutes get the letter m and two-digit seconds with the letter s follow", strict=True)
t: 1h17m26s
